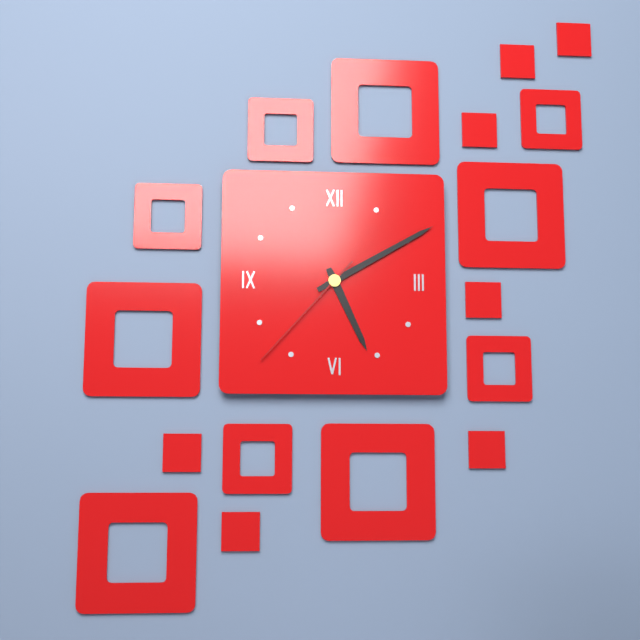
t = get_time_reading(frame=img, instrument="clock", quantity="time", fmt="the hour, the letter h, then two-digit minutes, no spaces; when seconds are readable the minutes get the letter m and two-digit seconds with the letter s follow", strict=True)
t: 5h10m37s
